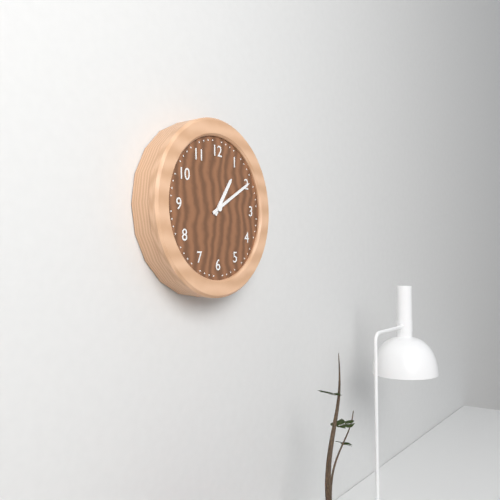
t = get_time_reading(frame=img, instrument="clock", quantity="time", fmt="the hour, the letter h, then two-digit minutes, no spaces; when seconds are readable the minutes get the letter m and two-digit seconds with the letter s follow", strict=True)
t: 1h10
